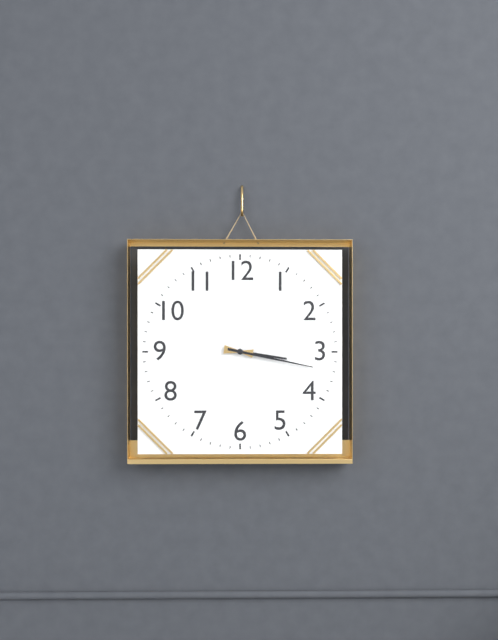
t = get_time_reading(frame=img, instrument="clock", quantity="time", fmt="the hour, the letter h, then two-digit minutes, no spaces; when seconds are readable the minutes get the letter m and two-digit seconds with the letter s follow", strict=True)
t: 3h17
